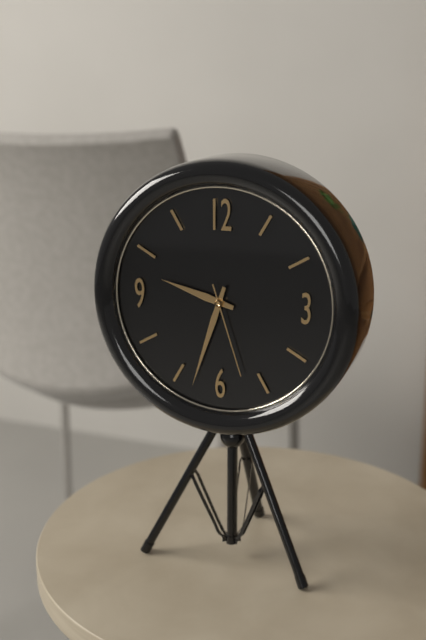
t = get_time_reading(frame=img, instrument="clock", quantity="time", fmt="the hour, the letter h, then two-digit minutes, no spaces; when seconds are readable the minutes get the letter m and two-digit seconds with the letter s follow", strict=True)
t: 9h33m27s
